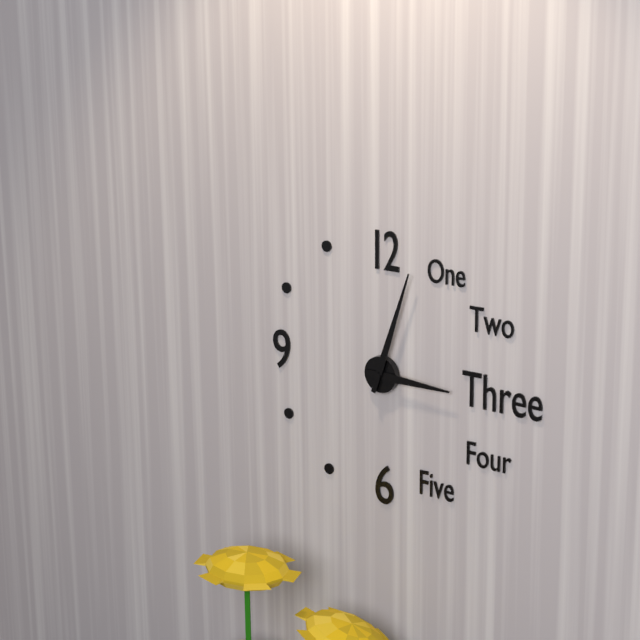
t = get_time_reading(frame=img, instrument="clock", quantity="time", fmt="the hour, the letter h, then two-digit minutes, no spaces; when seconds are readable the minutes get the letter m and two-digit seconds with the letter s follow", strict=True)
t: 3h03
